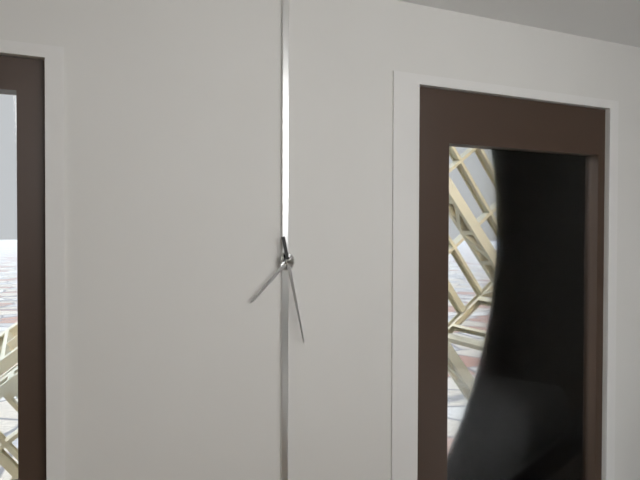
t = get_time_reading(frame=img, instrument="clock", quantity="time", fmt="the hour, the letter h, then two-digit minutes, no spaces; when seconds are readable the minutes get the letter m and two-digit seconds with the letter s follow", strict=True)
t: 7h28
